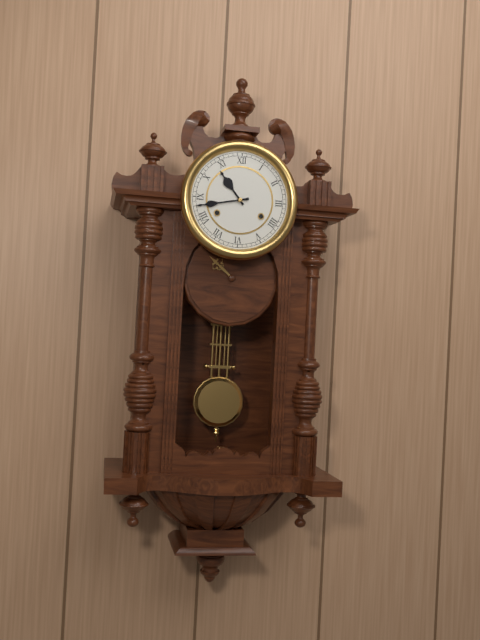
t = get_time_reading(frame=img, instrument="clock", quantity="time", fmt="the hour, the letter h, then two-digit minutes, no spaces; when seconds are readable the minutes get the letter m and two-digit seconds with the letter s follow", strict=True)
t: 10h43
